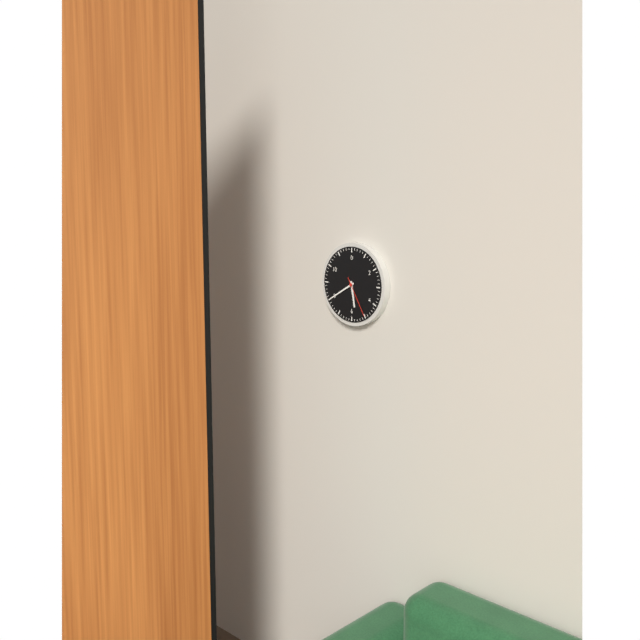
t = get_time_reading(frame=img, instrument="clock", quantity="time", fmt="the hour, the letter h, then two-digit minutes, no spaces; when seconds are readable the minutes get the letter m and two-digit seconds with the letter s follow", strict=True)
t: 5h40
